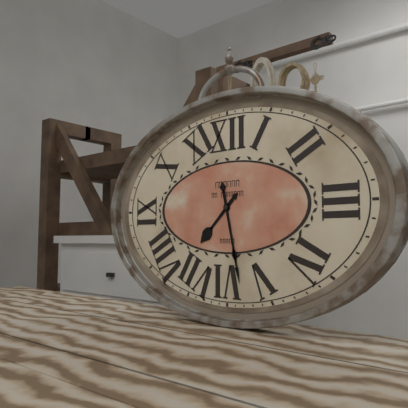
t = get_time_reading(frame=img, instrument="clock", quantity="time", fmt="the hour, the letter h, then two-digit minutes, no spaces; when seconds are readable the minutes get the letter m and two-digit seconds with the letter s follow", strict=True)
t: 7h28
